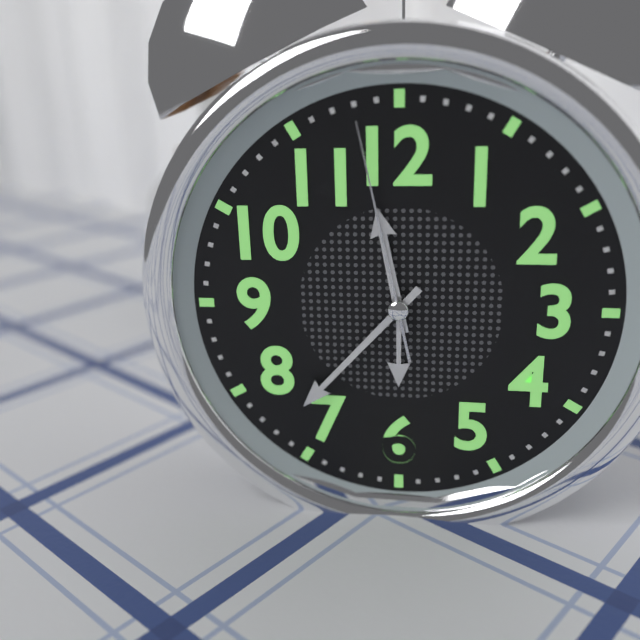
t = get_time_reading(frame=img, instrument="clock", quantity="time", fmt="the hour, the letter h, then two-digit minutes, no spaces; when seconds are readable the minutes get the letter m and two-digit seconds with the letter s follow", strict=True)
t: 11h37m58s
